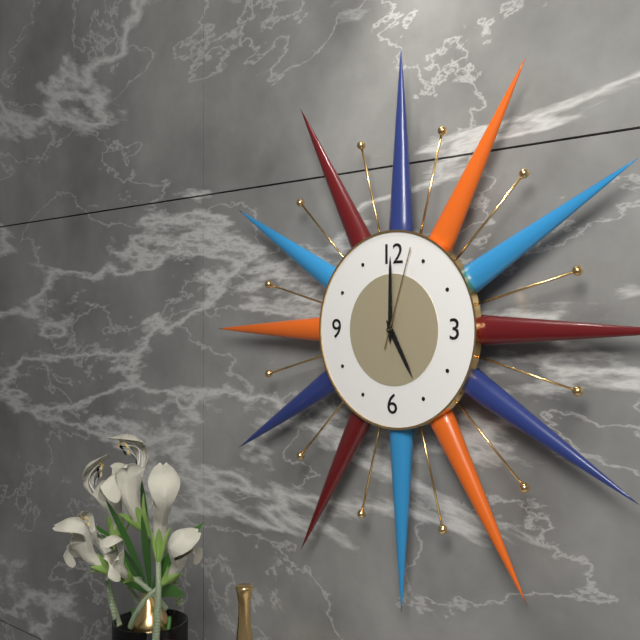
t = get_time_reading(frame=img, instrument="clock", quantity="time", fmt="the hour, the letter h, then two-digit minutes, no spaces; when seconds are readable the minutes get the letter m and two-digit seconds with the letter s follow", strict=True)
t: 5h00m03s
